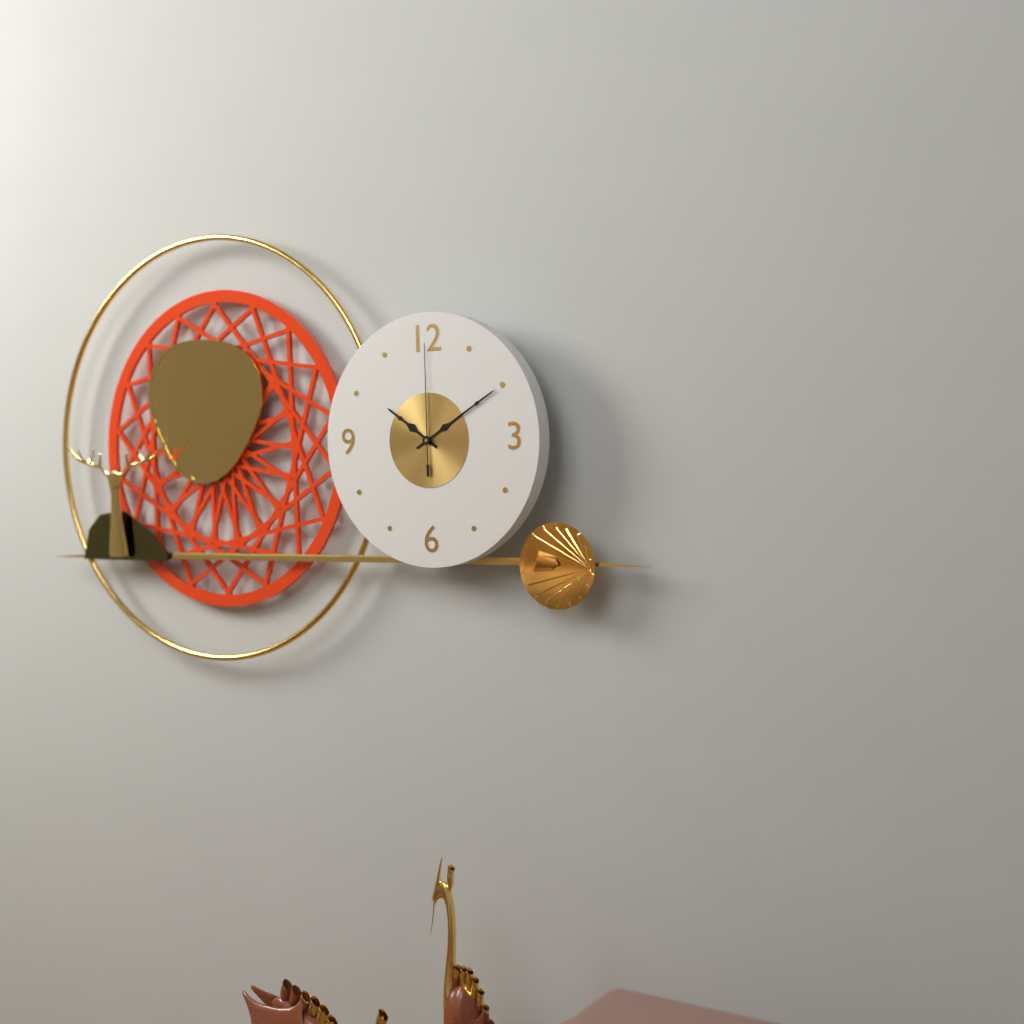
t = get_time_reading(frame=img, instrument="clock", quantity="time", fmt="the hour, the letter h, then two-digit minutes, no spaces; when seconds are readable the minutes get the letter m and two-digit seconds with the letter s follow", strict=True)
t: 10h10m00s
